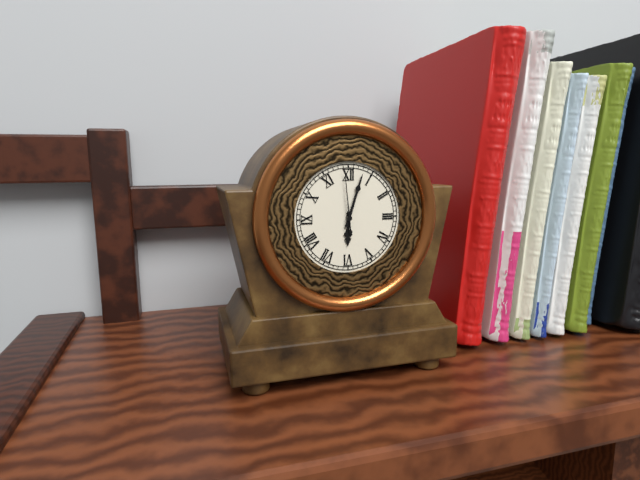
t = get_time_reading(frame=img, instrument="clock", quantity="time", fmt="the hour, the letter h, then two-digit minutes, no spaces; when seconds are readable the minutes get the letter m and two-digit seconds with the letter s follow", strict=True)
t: 6h03m59s
